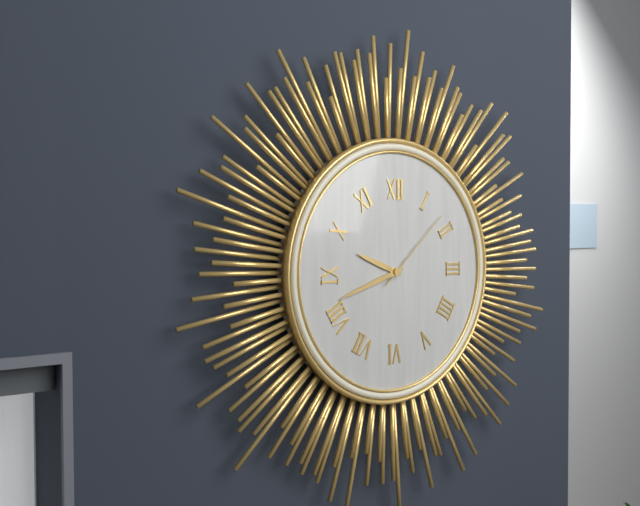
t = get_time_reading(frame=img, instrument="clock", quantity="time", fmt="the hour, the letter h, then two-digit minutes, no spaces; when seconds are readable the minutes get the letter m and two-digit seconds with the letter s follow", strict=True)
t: 9h42m08s
